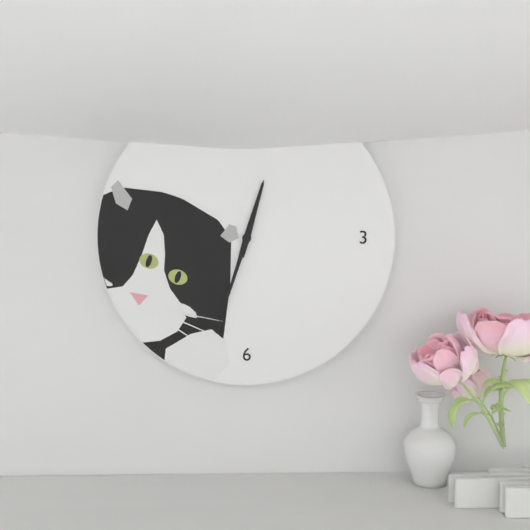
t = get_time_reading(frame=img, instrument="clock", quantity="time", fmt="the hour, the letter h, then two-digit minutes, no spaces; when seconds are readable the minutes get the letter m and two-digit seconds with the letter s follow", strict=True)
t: 12h33
